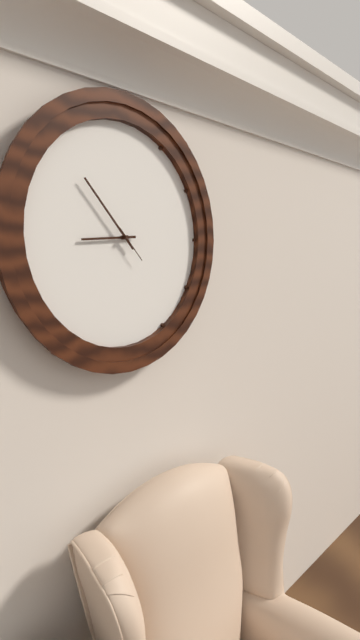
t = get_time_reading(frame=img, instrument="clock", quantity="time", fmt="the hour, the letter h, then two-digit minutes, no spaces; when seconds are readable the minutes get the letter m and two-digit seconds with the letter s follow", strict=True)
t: 8h53
